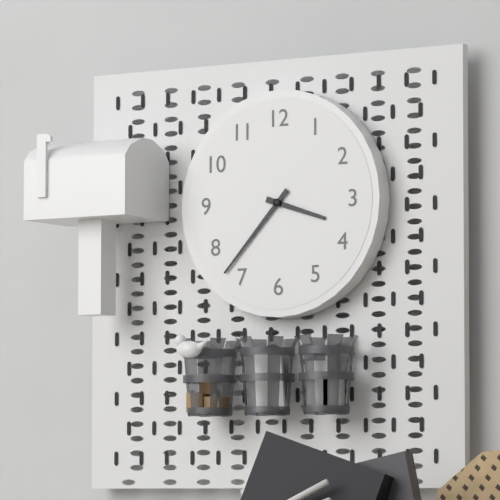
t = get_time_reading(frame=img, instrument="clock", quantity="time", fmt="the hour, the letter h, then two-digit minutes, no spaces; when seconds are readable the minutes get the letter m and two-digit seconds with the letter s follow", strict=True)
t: 3h37
